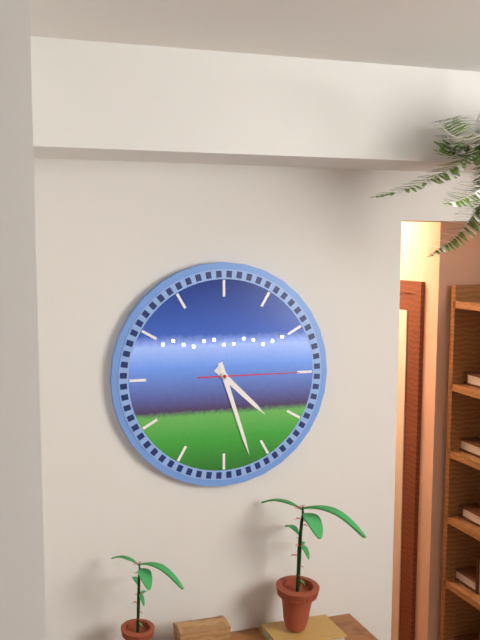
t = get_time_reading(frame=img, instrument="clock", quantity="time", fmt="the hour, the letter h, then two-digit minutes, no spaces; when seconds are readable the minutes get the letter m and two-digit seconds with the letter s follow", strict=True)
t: 4h27m15s
